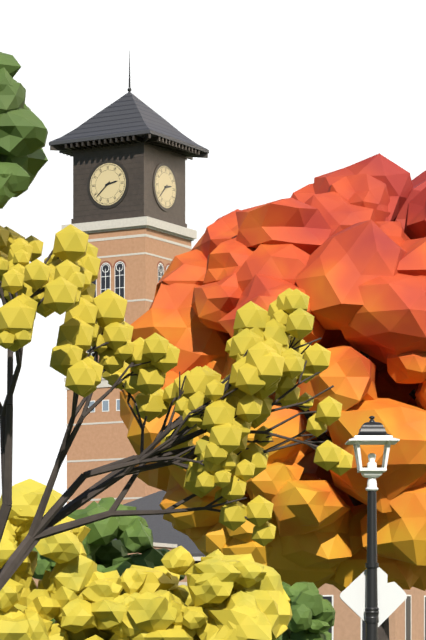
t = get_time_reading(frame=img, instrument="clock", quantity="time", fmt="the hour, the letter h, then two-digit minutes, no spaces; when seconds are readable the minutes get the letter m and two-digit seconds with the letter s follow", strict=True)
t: 2h38
